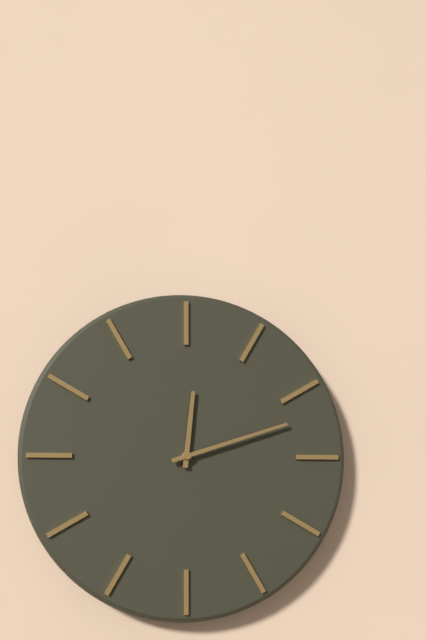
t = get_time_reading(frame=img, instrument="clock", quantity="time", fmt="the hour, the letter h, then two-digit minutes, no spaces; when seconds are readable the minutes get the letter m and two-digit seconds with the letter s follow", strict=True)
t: 12h12
